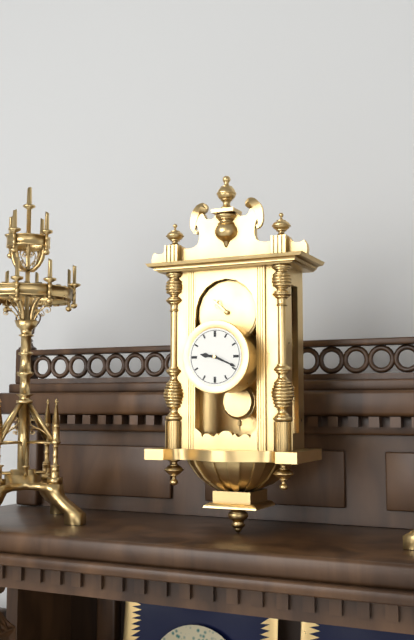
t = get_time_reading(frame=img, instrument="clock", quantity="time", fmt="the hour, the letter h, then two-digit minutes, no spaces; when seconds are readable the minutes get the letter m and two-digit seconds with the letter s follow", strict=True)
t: 9h19
